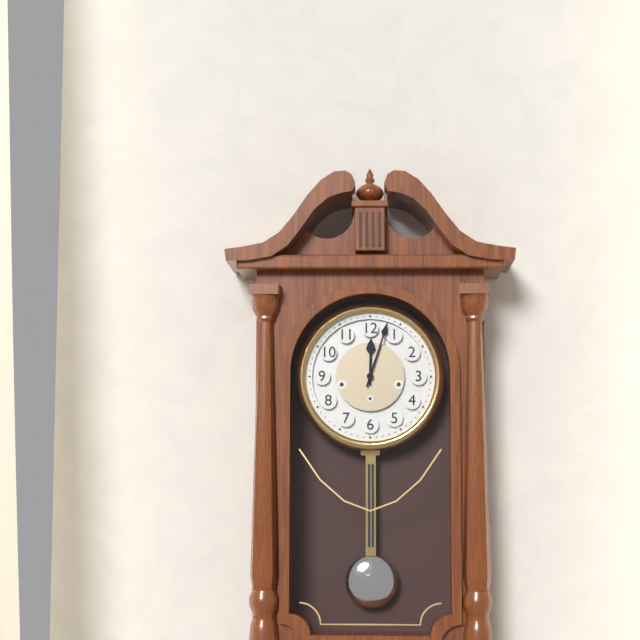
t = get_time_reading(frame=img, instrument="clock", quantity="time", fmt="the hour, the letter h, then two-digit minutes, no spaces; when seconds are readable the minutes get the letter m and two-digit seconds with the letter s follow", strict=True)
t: 12h03
